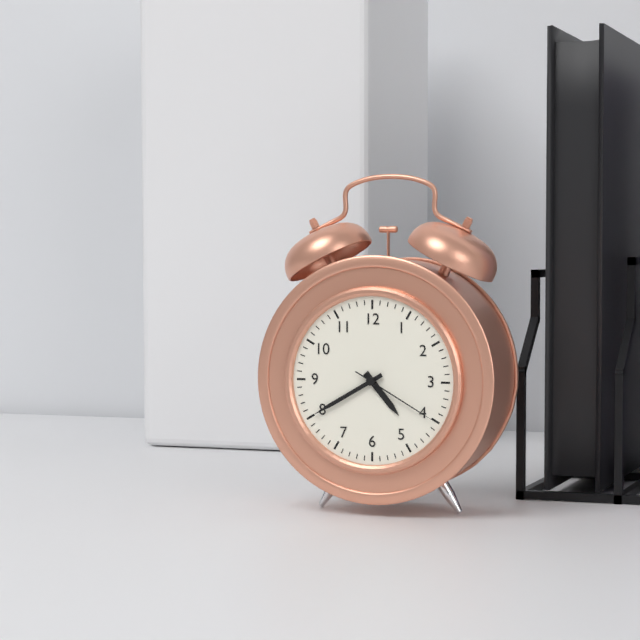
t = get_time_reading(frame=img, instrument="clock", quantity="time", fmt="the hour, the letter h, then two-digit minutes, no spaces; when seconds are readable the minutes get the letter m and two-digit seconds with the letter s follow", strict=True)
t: 4h40m20s
